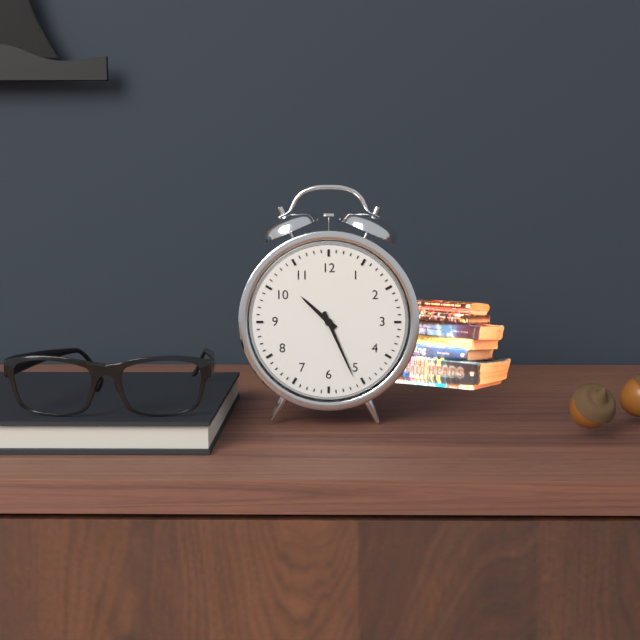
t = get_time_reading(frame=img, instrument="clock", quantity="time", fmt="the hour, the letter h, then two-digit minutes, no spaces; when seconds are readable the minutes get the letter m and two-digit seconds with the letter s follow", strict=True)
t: 10h26
